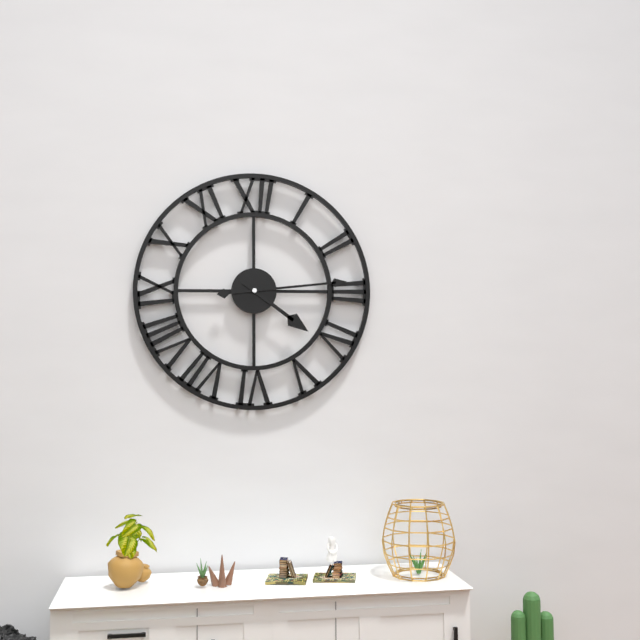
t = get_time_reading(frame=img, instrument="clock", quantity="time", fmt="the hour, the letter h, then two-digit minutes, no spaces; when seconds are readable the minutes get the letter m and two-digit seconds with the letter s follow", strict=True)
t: 4h14
